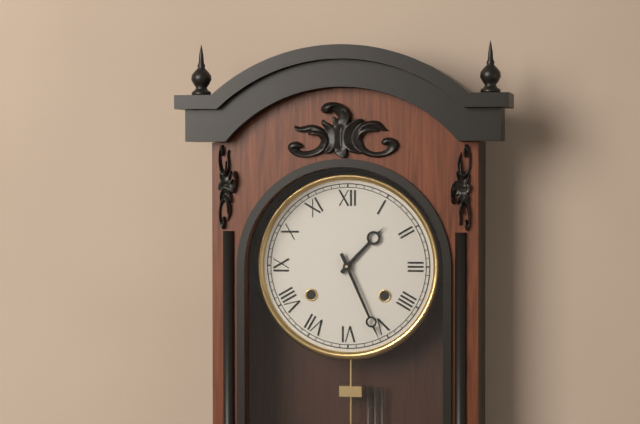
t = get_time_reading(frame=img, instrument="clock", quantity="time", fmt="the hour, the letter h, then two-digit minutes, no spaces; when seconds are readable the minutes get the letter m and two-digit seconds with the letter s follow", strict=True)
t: 1h26
